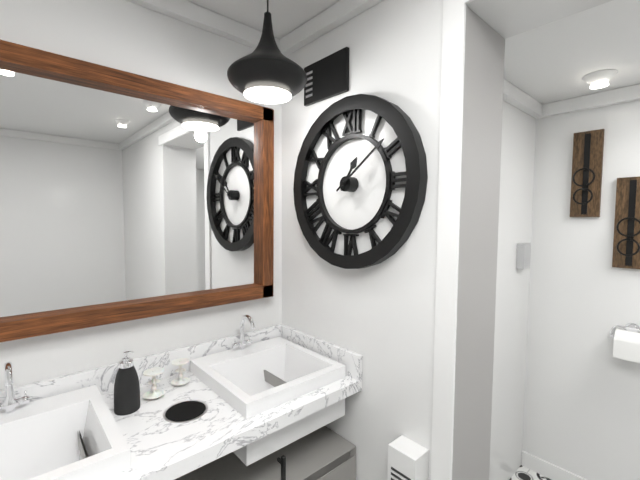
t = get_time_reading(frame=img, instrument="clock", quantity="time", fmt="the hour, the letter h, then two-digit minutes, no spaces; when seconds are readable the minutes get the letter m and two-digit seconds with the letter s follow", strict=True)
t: 1h09
